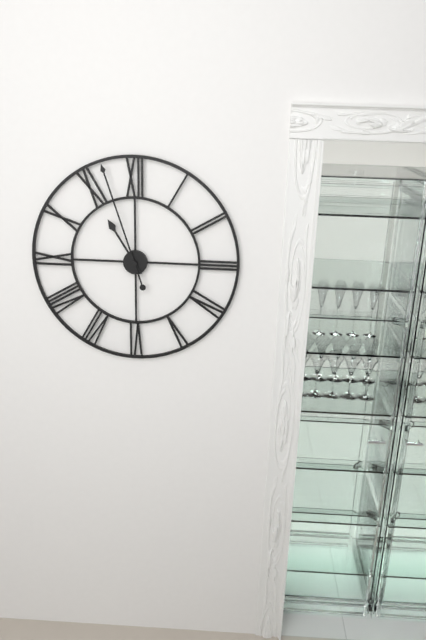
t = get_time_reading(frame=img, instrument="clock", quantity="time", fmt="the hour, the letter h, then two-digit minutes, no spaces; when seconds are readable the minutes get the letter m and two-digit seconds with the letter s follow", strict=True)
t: 10h57
